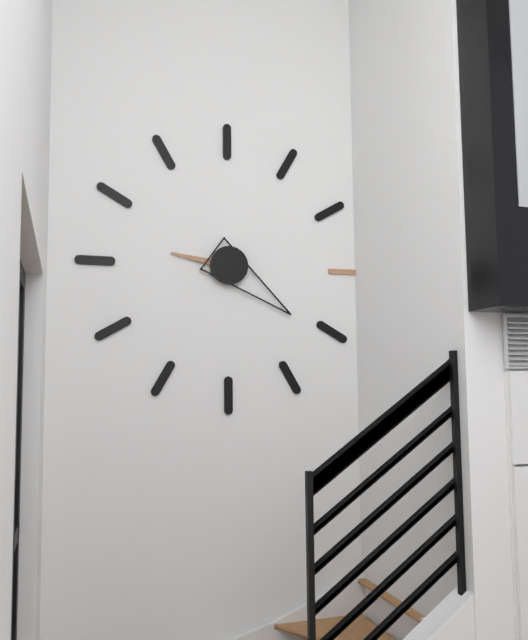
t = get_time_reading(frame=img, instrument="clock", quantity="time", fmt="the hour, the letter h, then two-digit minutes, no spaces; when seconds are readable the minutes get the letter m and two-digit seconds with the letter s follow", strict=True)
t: 9h21
